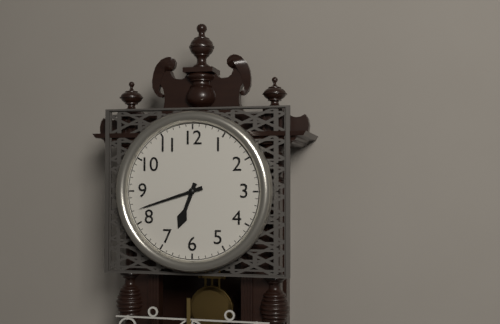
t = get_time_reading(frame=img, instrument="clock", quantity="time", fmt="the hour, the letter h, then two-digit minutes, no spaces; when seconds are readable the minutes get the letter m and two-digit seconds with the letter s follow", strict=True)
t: 6h42
